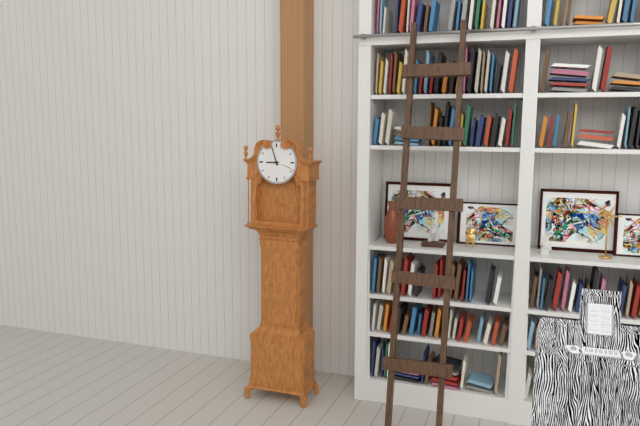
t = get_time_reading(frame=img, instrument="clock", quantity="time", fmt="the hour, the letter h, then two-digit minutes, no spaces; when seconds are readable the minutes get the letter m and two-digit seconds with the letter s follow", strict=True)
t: 8h57
